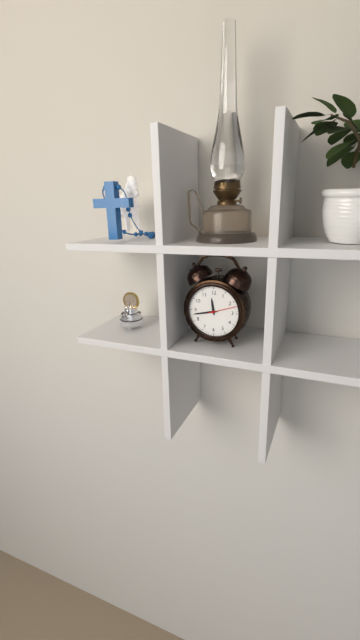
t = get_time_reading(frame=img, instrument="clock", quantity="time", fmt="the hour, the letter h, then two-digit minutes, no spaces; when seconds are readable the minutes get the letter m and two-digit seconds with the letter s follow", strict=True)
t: 11h43
